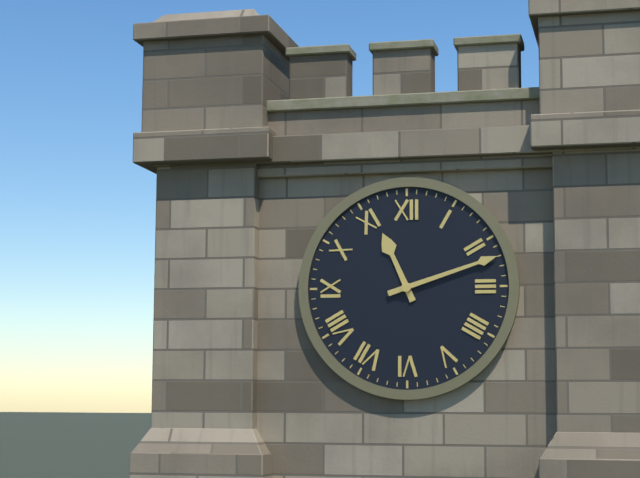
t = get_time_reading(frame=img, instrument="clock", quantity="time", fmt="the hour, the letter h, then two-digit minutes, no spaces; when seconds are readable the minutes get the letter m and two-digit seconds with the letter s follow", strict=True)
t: 11h12
